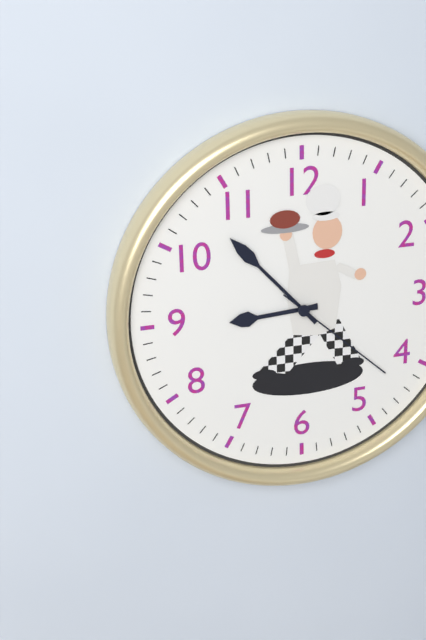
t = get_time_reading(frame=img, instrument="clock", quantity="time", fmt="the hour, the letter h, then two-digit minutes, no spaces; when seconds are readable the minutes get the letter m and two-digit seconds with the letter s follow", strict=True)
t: 8h53m22s
